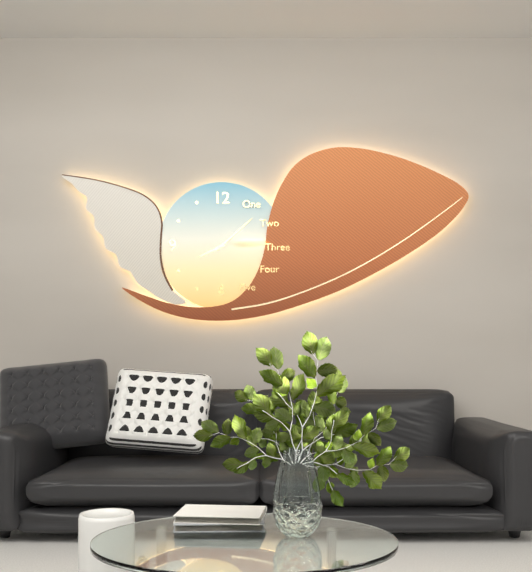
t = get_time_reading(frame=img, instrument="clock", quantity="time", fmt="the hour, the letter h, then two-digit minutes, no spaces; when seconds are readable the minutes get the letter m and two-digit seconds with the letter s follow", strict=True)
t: 8h08
